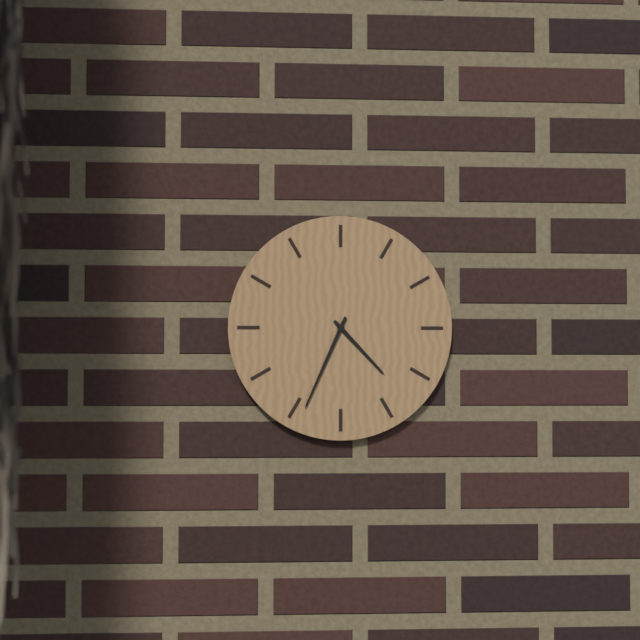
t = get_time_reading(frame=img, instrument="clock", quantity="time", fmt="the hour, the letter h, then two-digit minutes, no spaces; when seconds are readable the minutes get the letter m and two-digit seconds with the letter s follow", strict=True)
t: 4h34
